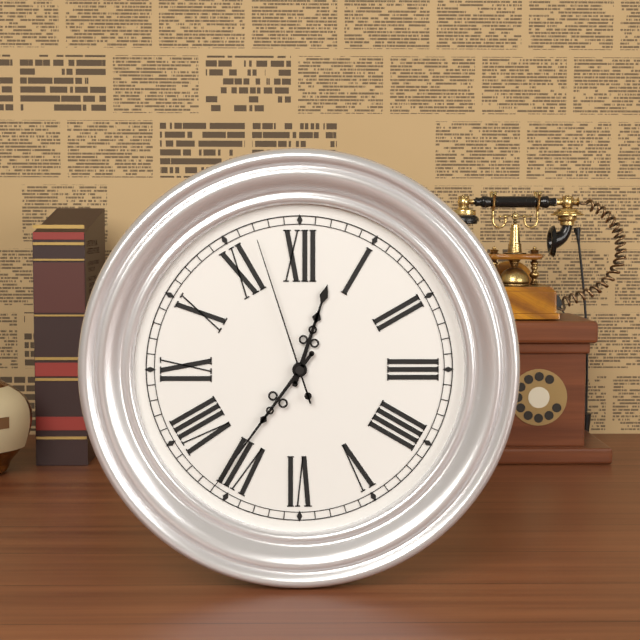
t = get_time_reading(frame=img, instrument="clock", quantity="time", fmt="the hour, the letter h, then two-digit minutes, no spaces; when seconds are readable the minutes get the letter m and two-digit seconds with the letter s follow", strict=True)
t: 12h36m57s
